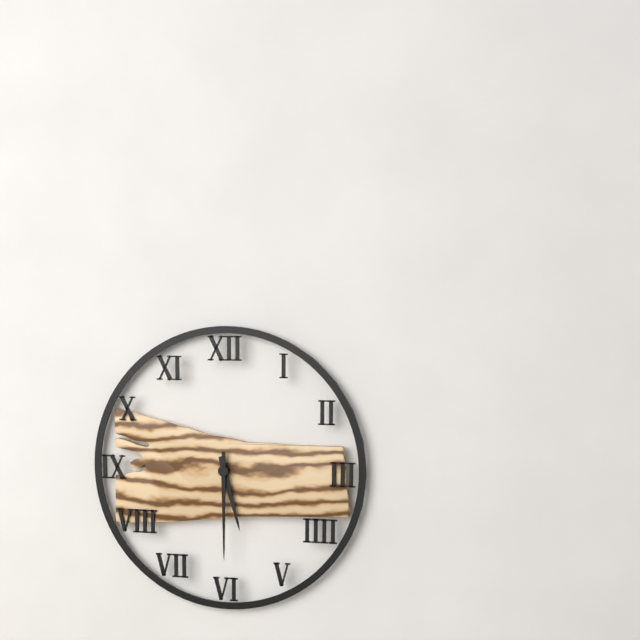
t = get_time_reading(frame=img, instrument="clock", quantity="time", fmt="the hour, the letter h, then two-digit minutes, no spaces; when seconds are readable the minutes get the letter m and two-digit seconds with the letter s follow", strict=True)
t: 5h30
